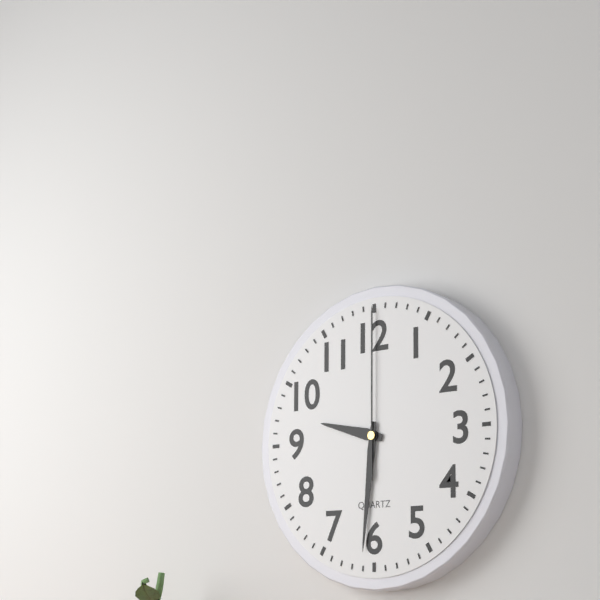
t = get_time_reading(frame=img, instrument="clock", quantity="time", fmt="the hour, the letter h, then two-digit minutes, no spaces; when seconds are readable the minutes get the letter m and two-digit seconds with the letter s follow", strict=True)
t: 9h31m00s
